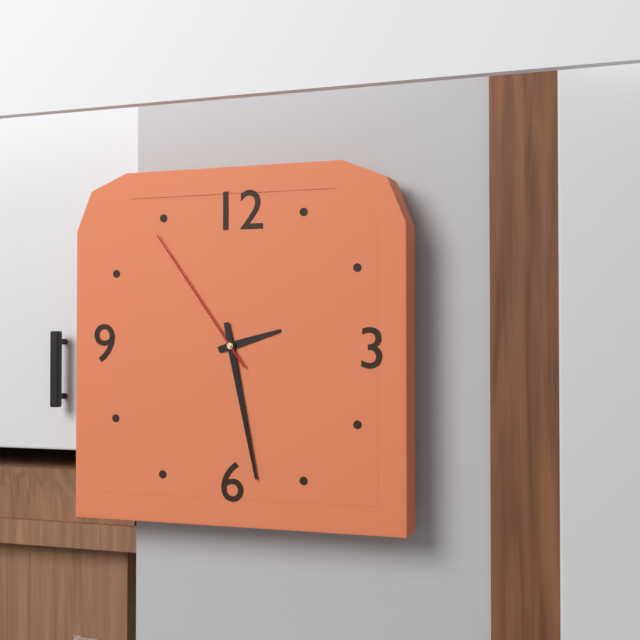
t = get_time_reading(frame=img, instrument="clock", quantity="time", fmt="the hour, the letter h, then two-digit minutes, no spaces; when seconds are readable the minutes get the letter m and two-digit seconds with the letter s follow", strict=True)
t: 2h28m54s
